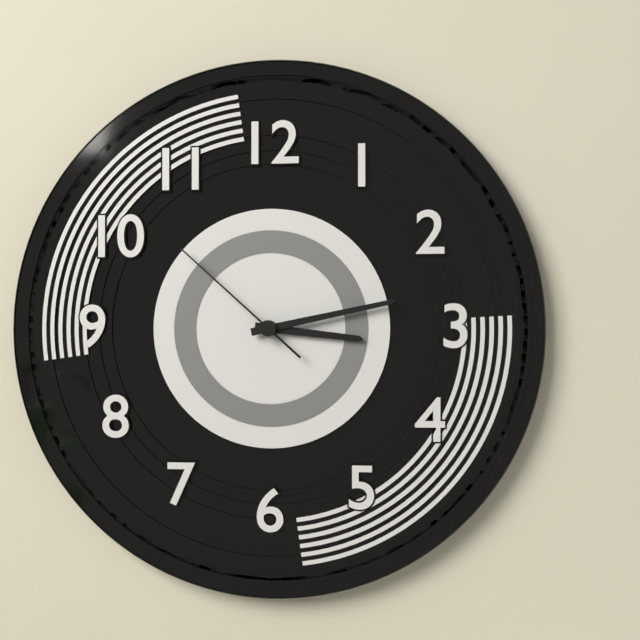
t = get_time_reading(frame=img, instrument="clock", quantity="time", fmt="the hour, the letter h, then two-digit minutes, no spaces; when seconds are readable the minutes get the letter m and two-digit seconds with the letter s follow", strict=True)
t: 3h13m52s
